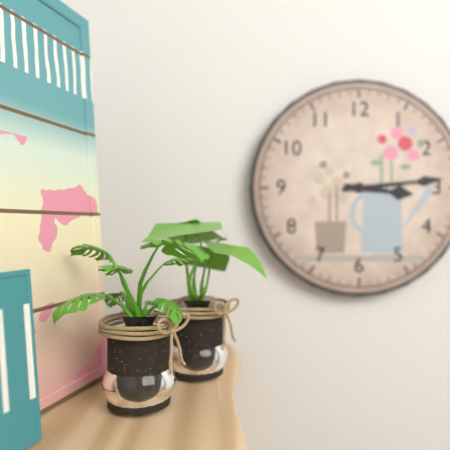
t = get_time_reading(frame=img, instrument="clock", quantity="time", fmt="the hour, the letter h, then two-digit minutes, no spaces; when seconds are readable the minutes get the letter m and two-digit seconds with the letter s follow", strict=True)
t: 3h14
